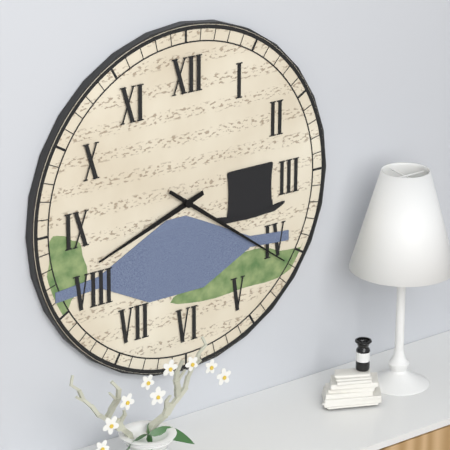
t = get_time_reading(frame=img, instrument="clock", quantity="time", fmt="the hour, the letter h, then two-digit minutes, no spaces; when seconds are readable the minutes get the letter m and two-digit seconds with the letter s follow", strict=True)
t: 8h21
